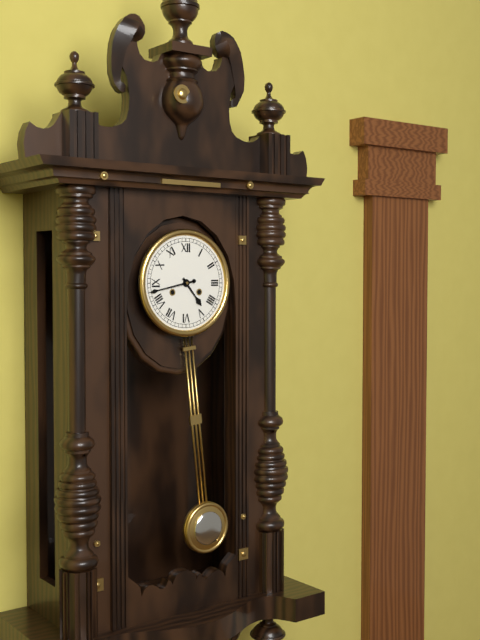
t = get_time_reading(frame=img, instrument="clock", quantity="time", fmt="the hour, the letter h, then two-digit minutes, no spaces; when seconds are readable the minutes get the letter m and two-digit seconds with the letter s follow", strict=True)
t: 4h43
